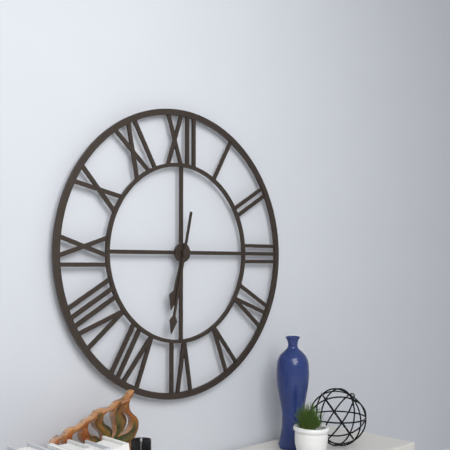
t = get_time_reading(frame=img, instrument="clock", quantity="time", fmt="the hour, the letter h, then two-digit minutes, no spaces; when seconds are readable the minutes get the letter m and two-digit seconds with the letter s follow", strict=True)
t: 6h32
